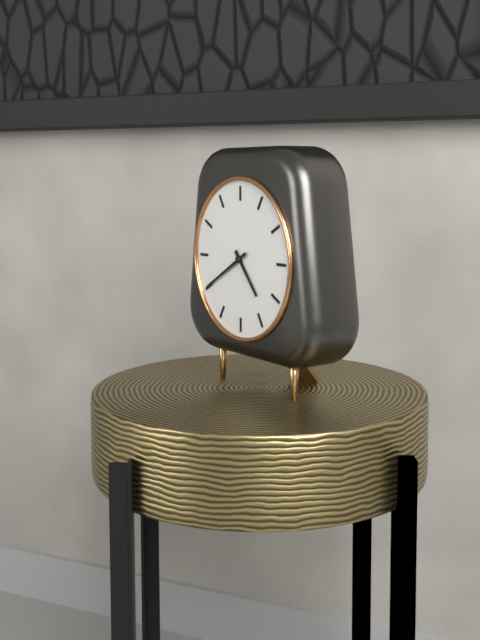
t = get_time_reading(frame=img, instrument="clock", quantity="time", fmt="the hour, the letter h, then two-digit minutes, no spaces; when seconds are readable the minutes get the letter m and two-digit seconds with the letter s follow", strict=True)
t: 4h40
